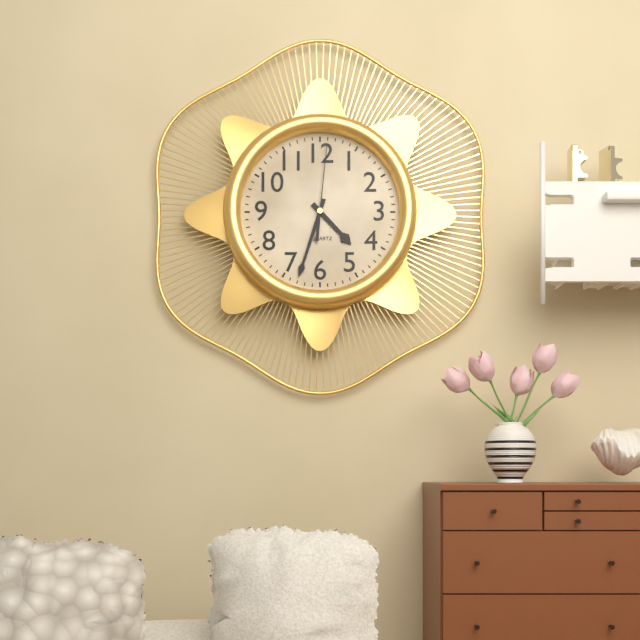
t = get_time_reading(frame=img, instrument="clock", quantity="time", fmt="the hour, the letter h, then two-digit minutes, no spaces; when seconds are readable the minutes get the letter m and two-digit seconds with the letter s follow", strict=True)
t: 4h33m01s
